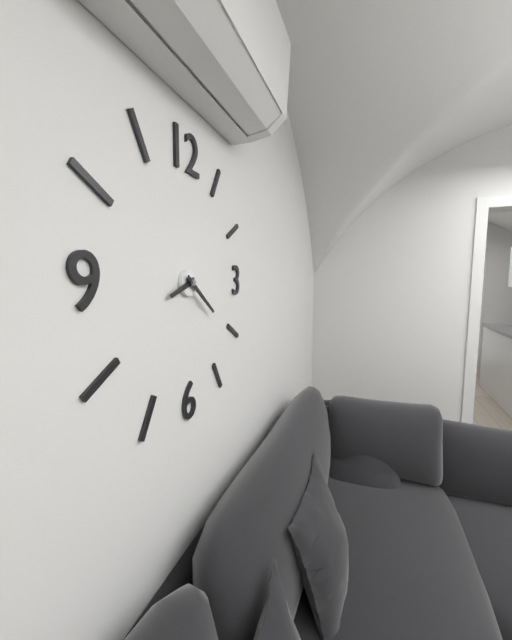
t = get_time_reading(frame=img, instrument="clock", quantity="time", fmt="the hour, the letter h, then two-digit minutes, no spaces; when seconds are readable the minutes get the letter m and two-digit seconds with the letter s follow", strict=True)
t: 8h21
